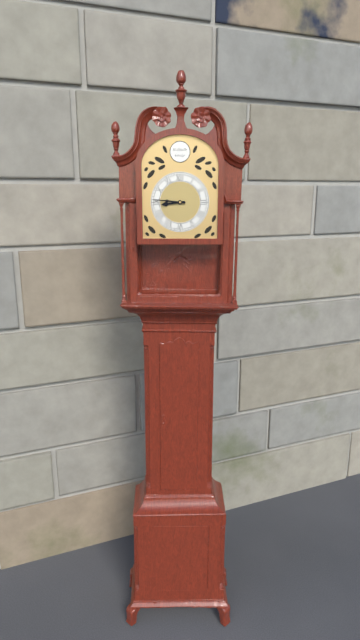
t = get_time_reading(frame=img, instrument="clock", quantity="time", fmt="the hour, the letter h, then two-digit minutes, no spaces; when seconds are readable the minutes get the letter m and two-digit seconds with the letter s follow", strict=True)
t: 8h46
